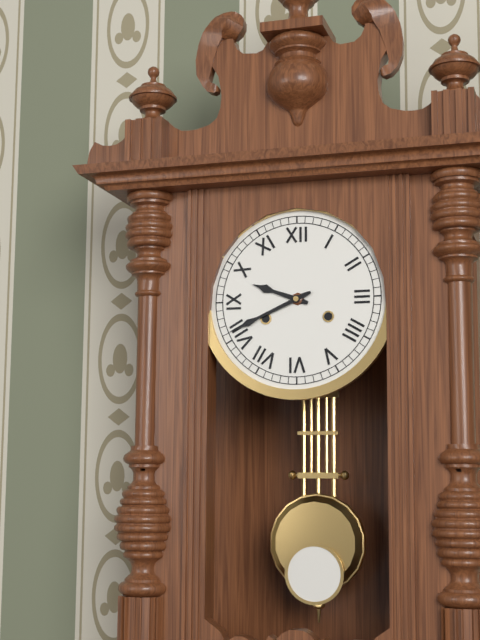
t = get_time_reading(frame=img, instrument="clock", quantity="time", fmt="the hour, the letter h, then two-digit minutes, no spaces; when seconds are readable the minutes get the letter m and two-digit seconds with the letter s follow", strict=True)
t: 9h41
